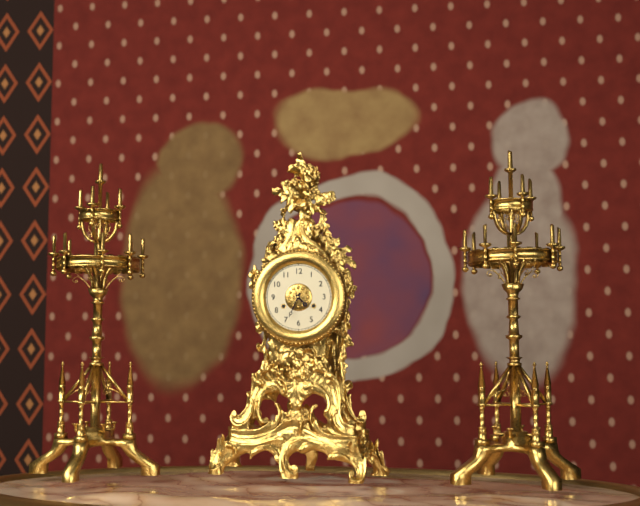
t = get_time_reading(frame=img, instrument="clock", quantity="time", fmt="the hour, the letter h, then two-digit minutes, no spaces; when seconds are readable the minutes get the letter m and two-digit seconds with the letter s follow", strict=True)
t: 4h34
